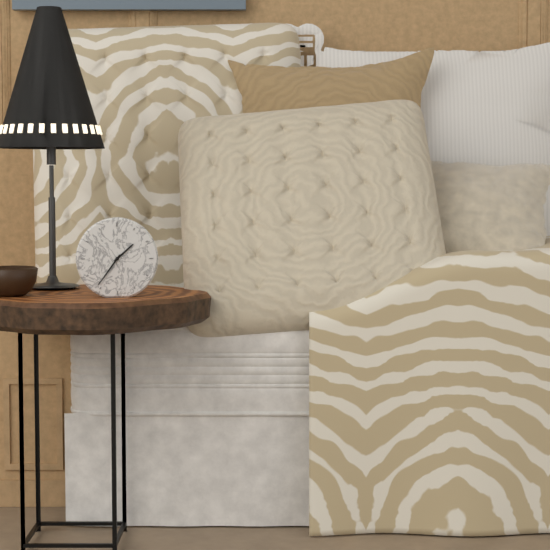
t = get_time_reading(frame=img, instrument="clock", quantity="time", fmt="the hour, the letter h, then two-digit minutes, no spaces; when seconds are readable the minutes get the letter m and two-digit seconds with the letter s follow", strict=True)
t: 1h36
